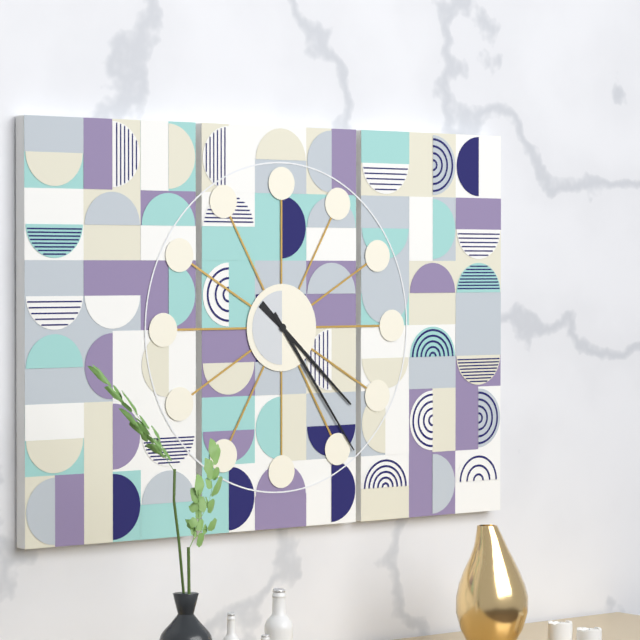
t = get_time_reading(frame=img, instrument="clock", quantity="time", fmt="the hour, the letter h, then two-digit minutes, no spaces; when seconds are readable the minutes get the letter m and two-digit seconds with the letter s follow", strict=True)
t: 4h24
